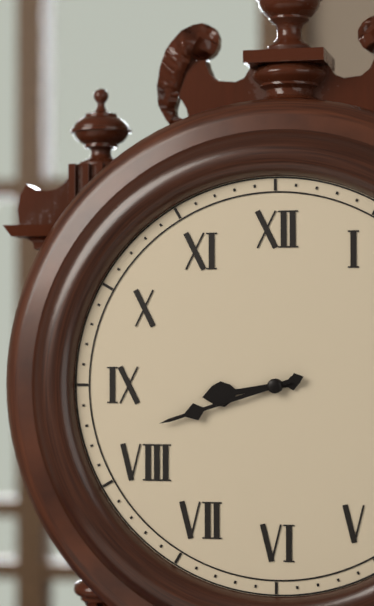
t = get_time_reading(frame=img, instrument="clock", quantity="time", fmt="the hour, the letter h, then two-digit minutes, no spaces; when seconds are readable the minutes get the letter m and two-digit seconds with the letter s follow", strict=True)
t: 8h42
